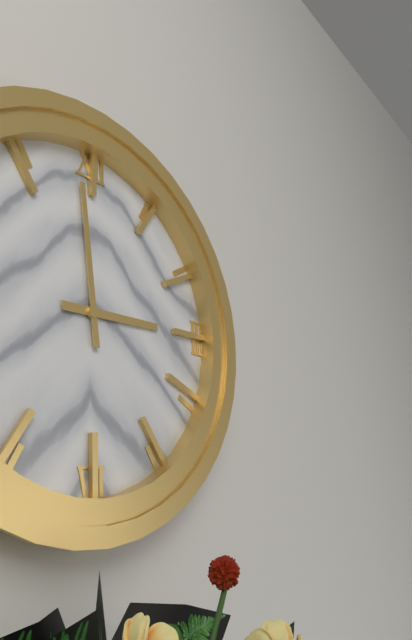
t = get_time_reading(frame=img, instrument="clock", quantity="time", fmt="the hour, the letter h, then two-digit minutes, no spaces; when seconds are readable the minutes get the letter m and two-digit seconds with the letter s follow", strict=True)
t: 2h59
